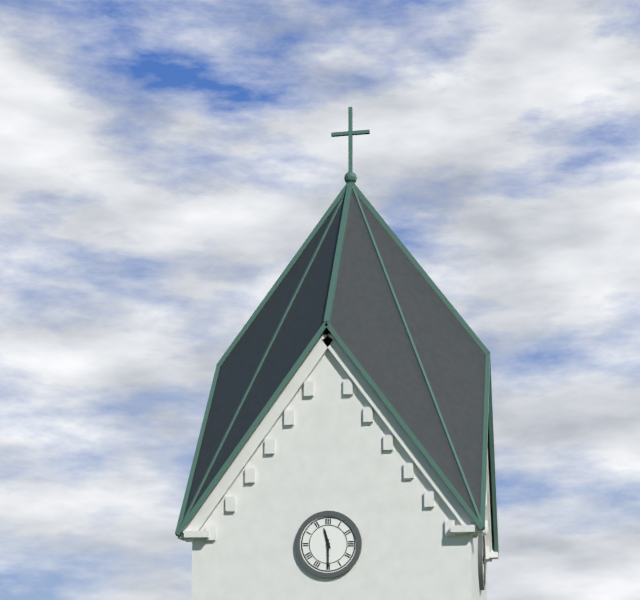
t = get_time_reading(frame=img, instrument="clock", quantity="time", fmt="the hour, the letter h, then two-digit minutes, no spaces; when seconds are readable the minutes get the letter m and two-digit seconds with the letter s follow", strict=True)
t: 11h30
